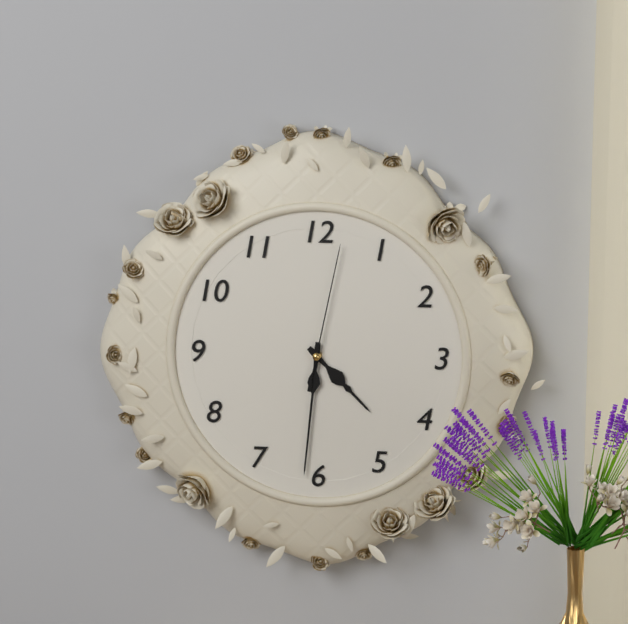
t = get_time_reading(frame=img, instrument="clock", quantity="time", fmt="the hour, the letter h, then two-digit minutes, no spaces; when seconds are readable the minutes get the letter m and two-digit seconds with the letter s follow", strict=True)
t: 4h31m02s
